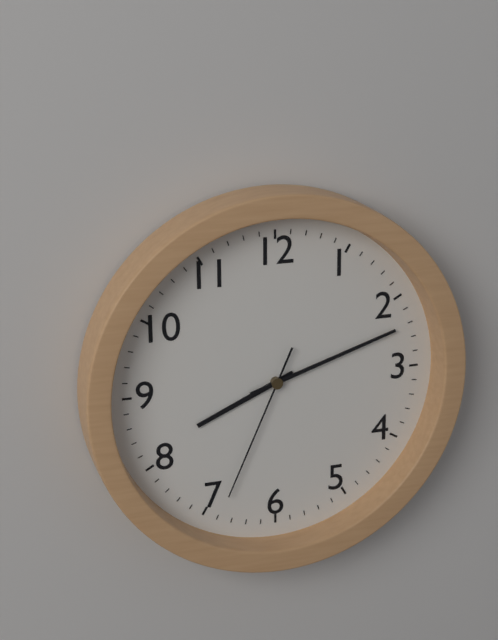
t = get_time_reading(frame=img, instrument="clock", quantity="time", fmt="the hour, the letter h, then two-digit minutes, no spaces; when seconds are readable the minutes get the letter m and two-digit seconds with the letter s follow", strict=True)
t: 8h12m34s
